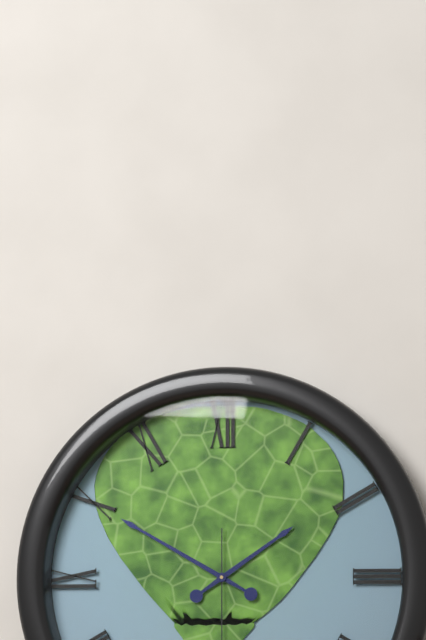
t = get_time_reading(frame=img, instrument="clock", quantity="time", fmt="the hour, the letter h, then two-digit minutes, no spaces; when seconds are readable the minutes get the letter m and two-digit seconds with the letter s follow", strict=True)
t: 1h50
